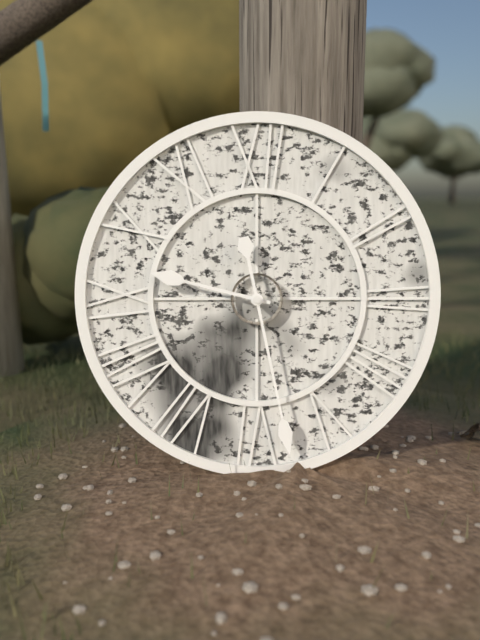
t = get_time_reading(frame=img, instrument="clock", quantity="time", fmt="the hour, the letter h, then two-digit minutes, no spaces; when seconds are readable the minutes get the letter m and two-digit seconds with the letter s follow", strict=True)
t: 9h28
